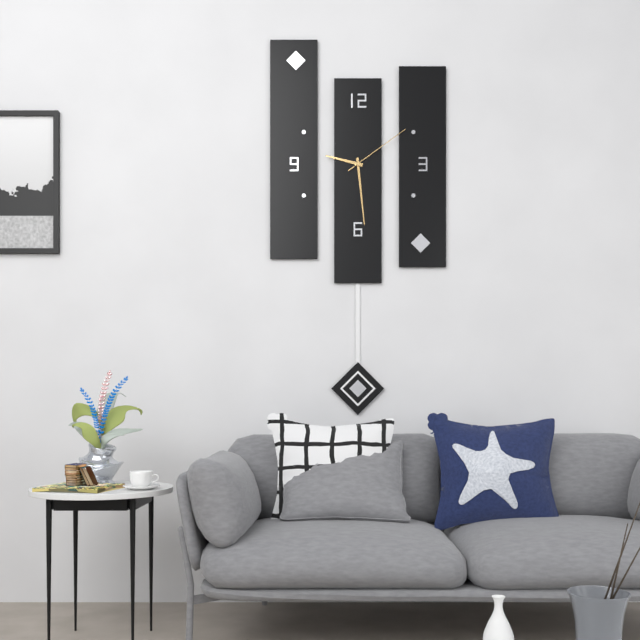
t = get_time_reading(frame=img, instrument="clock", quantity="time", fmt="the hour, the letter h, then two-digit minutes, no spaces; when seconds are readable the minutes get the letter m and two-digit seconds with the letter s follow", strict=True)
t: 9h29m09s
